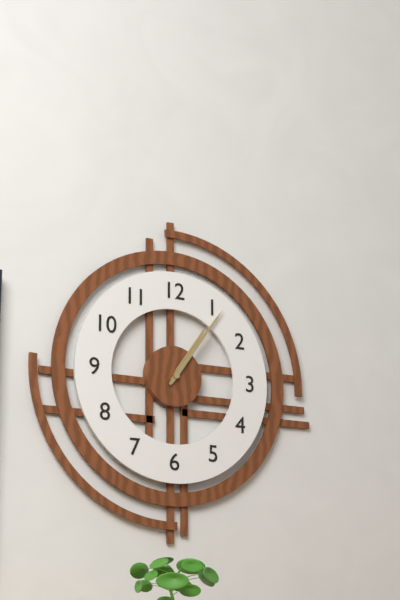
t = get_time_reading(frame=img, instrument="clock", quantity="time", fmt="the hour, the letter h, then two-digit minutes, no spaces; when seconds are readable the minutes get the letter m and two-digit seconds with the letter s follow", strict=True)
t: 1h06
